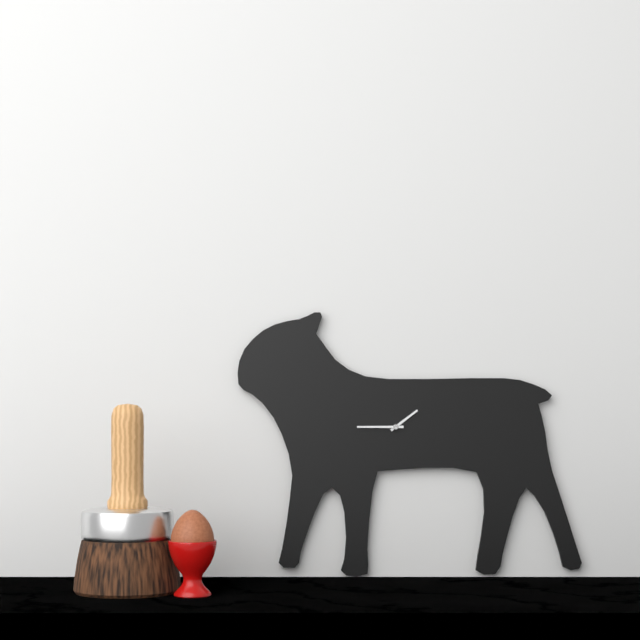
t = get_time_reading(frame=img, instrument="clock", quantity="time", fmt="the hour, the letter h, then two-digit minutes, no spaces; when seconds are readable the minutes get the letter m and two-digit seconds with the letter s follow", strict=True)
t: 1h45
